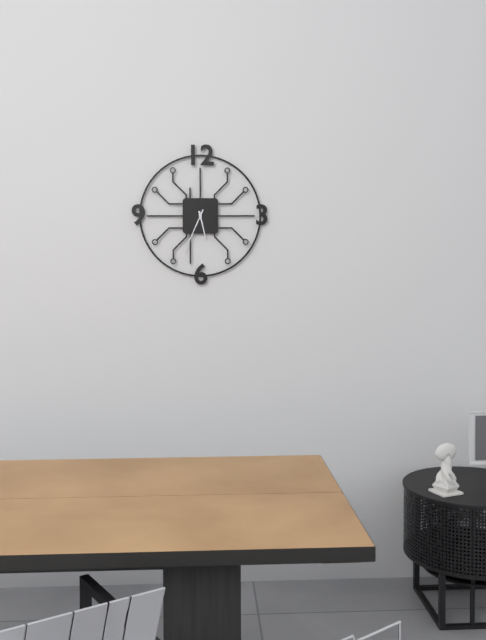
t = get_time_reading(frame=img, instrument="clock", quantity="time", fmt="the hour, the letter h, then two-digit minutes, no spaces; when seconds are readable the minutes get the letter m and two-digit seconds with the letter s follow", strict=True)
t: 5h34
